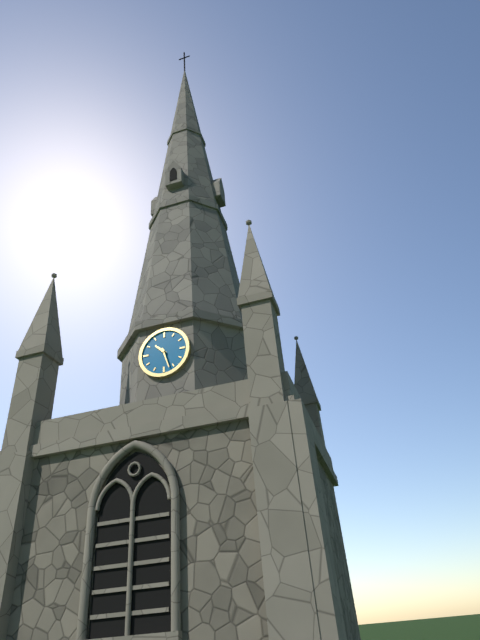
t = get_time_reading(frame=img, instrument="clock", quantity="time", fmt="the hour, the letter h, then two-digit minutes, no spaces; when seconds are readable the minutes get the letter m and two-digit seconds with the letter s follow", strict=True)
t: 10h27
